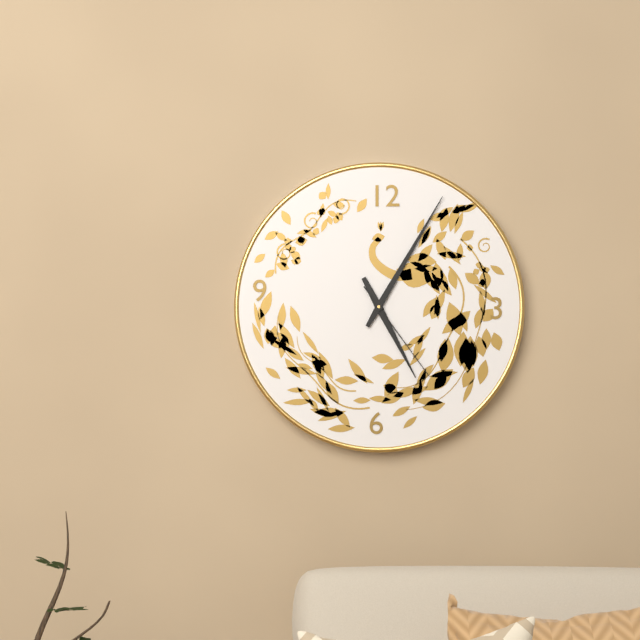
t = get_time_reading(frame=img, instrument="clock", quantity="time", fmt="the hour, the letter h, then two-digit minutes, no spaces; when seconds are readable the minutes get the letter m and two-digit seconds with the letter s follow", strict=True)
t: 5h05m24s
